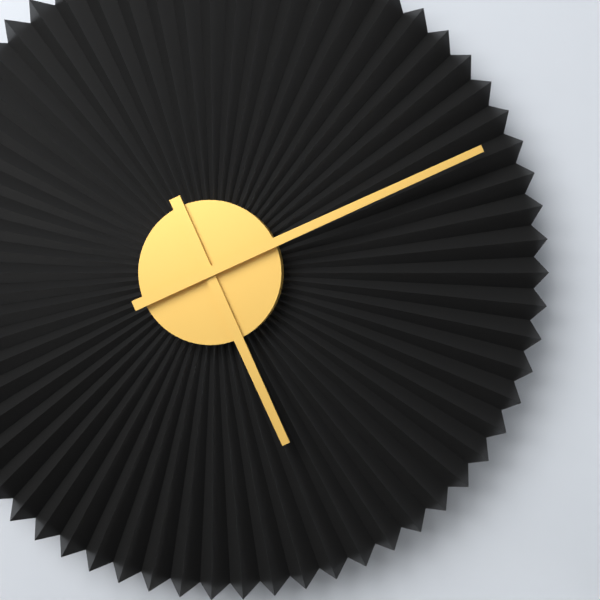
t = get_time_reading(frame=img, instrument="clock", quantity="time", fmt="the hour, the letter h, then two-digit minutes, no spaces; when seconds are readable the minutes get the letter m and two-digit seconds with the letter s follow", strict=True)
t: 5h11
